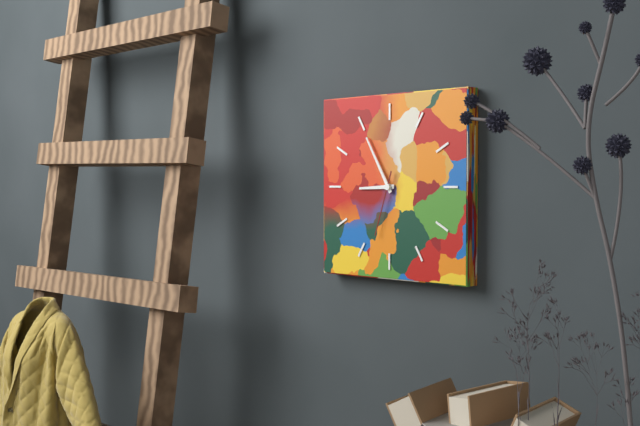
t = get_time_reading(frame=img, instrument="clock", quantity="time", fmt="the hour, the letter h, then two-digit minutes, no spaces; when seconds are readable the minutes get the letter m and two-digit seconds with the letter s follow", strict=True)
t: 8h55m33s
